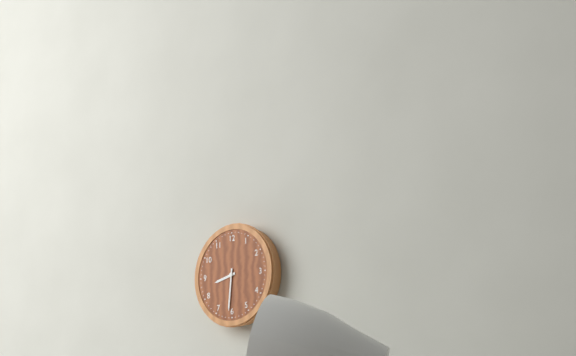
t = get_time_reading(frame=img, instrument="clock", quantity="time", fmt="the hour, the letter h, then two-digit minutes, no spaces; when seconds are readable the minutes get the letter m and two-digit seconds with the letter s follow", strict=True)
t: 8h31
